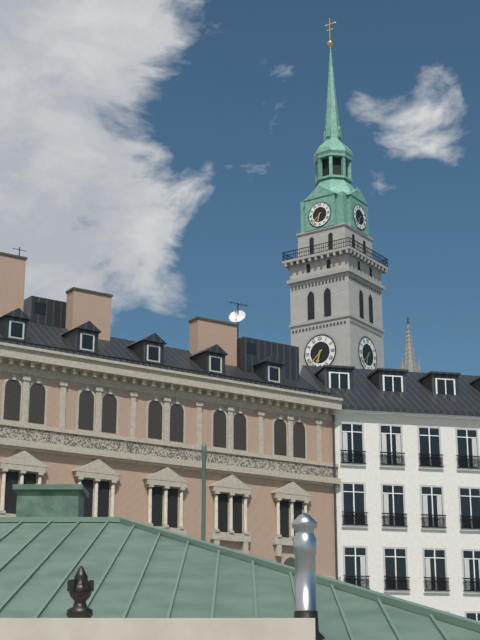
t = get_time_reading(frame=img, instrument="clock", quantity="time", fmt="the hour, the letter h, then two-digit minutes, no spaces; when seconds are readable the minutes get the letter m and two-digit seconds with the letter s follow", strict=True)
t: 6h38
